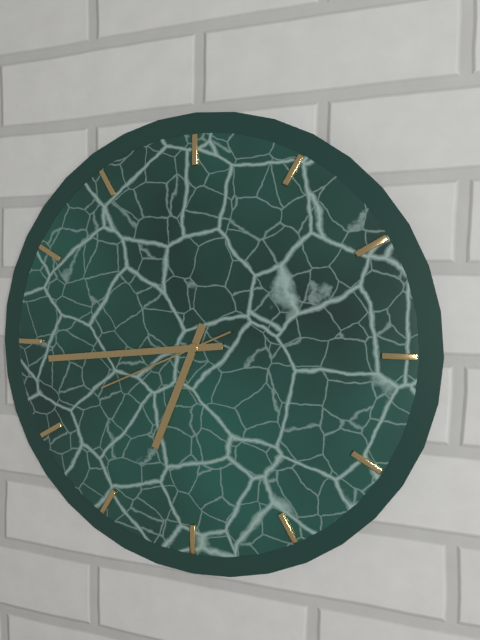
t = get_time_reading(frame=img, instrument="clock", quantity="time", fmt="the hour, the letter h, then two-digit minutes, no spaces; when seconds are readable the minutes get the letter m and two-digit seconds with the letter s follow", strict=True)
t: 6h44m41s
